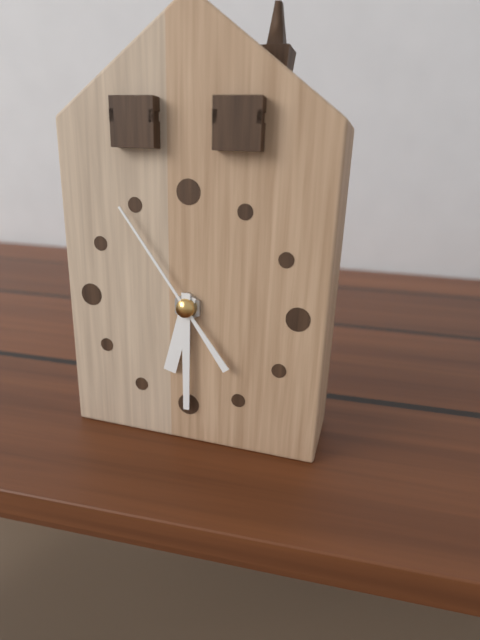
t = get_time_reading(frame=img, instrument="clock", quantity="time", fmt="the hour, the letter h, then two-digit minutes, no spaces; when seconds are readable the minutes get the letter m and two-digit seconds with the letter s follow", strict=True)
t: 6h30m54s
